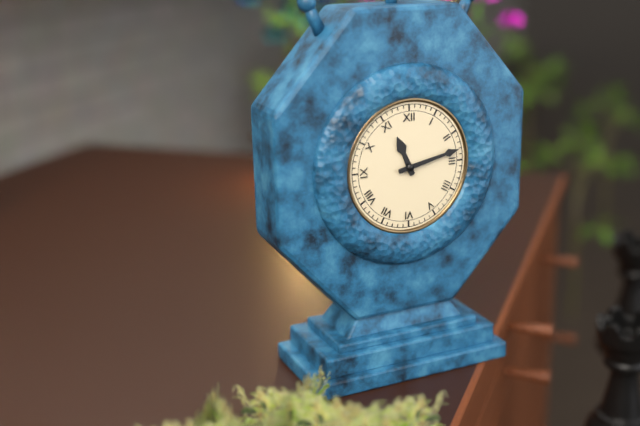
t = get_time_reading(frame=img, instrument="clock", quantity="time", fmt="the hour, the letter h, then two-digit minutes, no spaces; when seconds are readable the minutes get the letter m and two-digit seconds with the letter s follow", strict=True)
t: 11h13
